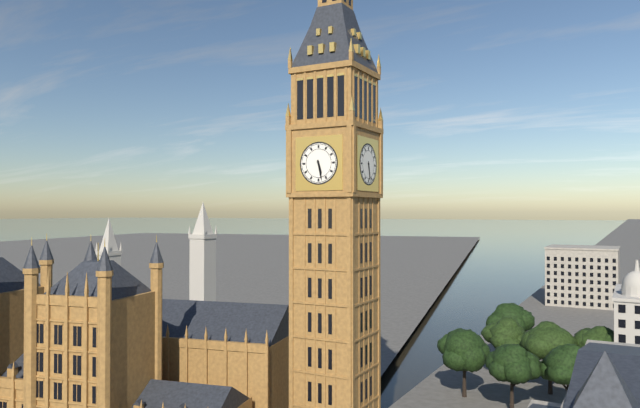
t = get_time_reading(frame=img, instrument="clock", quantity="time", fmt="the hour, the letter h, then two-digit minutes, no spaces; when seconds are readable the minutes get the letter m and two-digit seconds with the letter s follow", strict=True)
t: 5h28
